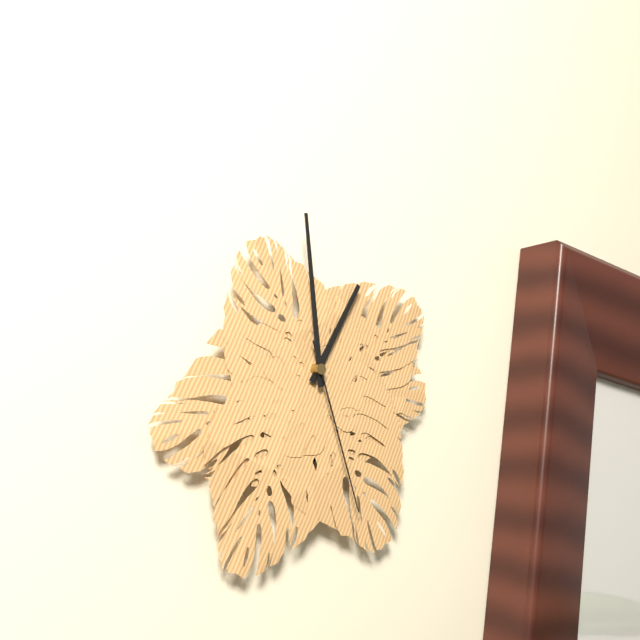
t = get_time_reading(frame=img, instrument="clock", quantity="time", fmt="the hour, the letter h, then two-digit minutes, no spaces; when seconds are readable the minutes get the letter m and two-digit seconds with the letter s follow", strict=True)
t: 12h59m27s
